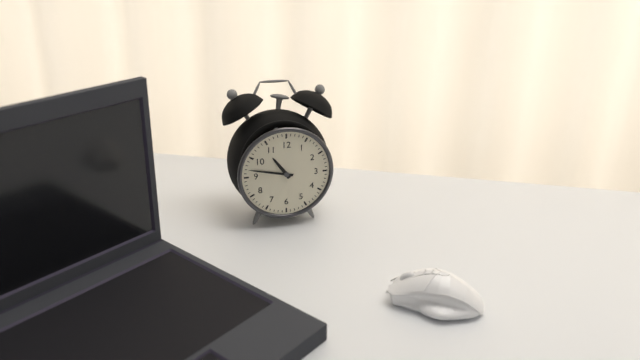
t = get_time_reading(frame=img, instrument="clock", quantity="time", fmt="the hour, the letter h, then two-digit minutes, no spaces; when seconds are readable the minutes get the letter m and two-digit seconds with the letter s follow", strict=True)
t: 10h47
